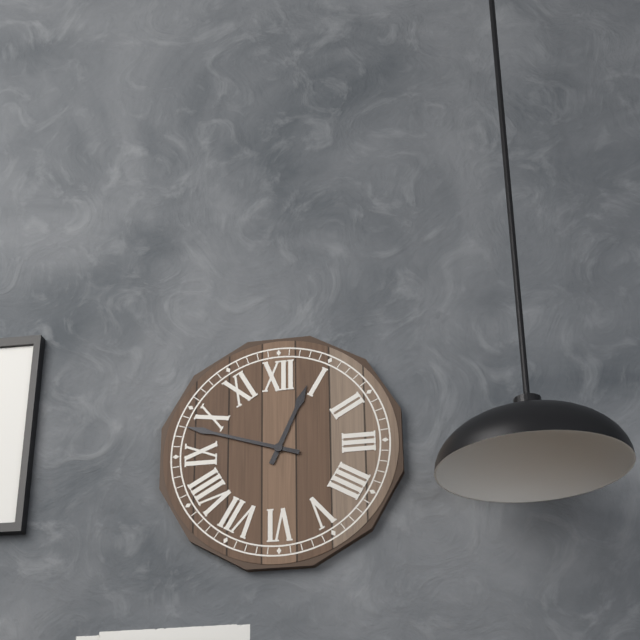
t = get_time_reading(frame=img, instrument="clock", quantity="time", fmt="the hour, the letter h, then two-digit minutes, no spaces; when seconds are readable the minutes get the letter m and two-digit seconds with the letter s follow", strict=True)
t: 12h48
